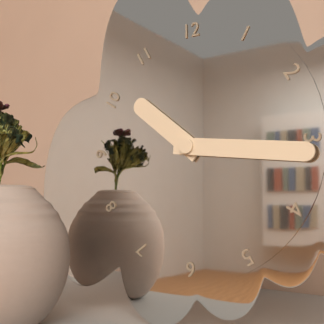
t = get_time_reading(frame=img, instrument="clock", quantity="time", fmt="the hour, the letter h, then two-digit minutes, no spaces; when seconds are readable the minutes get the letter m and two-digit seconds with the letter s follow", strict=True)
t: 10h16
